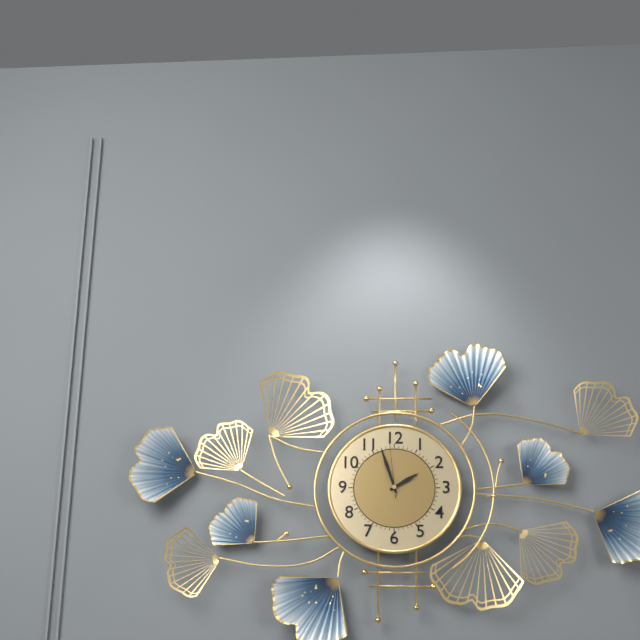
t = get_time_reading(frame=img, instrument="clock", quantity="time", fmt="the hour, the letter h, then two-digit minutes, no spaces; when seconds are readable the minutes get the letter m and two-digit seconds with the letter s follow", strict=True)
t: 1h57m59s
